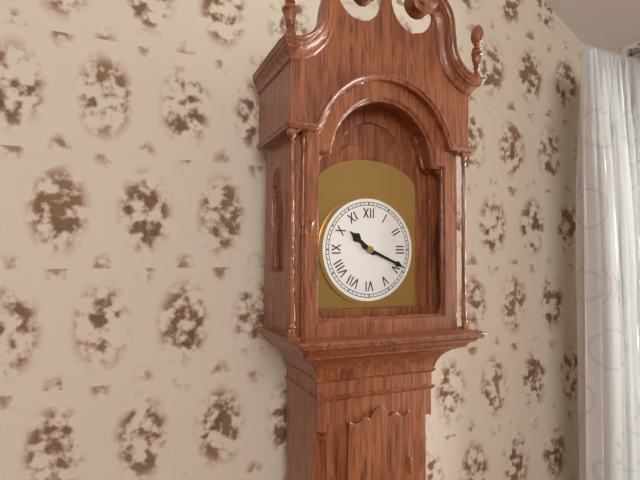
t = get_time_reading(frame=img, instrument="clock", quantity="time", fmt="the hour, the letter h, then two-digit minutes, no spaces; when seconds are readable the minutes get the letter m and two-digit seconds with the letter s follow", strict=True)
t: 10h19
